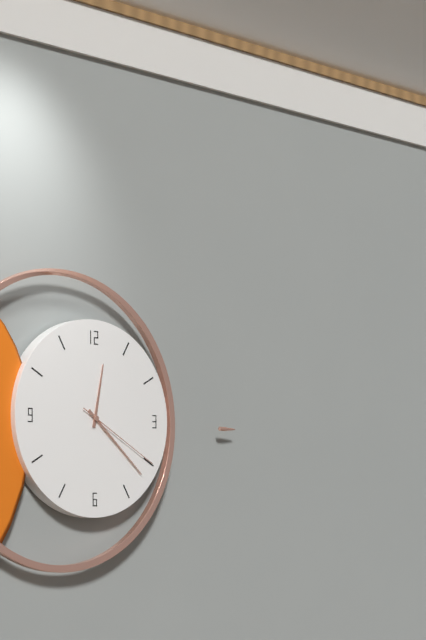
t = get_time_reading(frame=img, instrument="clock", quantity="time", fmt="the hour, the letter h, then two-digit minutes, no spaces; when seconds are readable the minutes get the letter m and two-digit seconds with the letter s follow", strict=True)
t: 12h22m20s
